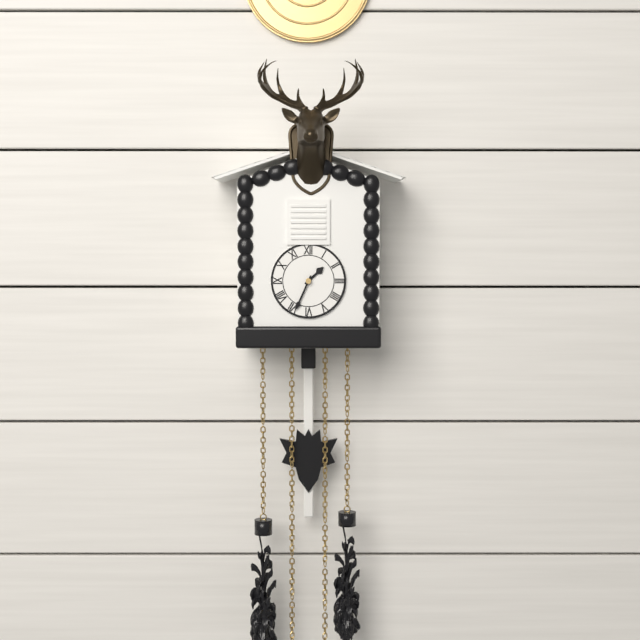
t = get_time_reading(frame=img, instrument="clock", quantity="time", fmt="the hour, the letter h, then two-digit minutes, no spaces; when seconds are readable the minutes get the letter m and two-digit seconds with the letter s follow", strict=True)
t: 1h34
